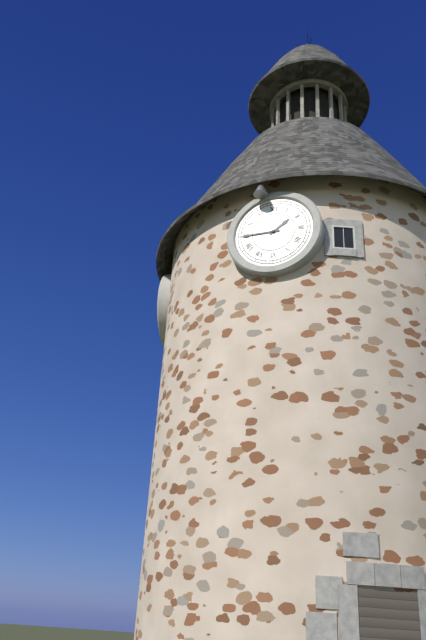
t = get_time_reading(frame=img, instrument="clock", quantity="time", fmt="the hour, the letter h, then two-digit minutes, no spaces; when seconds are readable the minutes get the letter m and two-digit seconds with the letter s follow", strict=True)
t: 1h45
